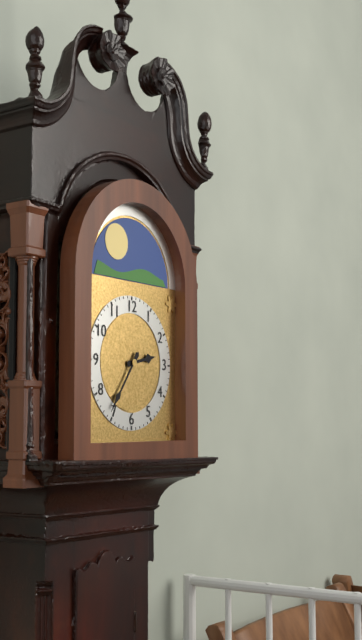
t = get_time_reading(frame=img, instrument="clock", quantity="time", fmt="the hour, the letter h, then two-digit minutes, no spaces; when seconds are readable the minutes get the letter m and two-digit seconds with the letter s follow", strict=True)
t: 2h36
